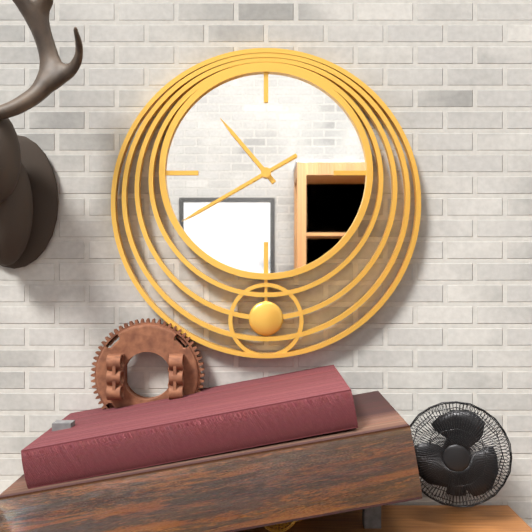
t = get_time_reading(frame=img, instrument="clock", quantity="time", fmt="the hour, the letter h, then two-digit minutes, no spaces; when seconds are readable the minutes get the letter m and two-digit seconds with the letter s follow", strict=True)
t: 10h40
